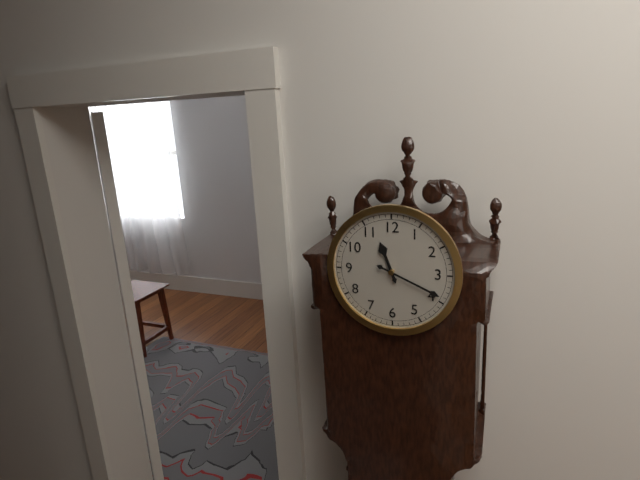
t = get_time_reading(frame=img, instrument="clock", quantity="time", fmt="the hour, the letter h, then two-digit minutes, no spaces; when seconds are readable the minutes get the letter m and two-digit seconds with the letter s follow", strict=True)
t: 11h19
